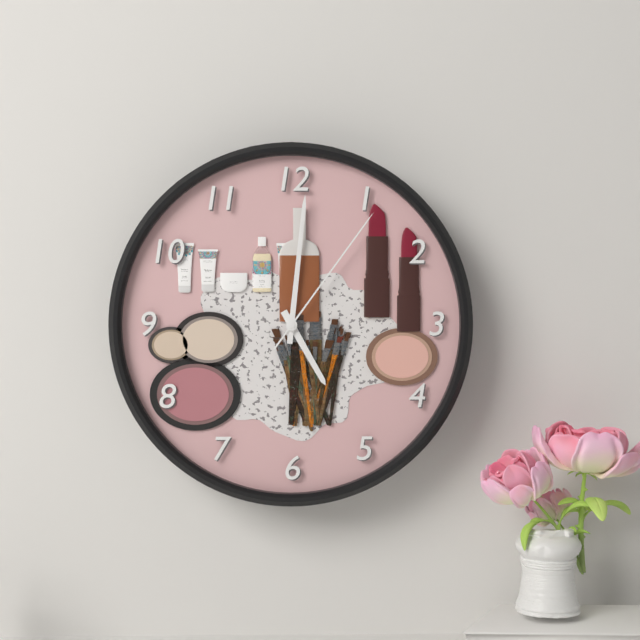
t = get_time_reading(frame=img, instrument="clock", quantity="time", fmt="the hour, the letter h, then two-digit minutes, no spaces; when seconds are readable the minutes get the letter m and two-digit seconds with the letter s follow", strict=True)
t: 5h01m06s
